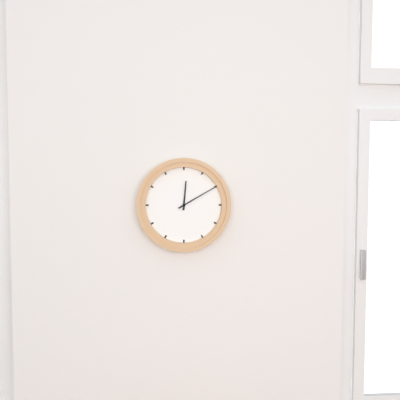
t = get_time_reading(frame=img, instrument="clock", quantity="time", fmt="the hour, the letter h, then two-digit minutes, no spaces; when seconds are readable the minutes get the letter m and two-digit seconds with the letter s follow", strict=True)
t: 12h10
